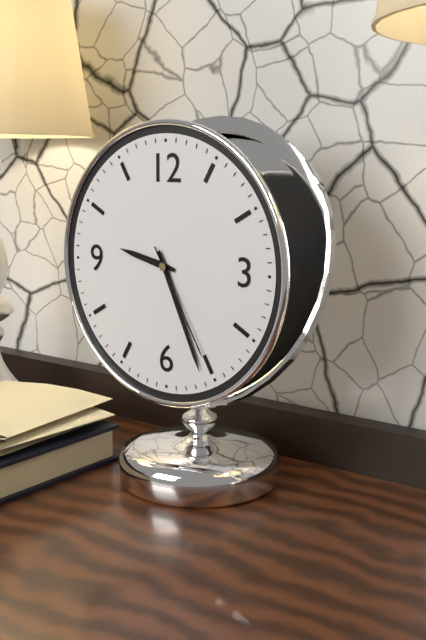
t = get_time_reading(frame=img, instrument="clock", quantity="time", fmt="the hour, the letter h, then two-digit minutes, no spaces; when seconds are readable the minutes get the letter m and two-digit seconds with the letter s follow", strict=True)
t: 9h26m25s
